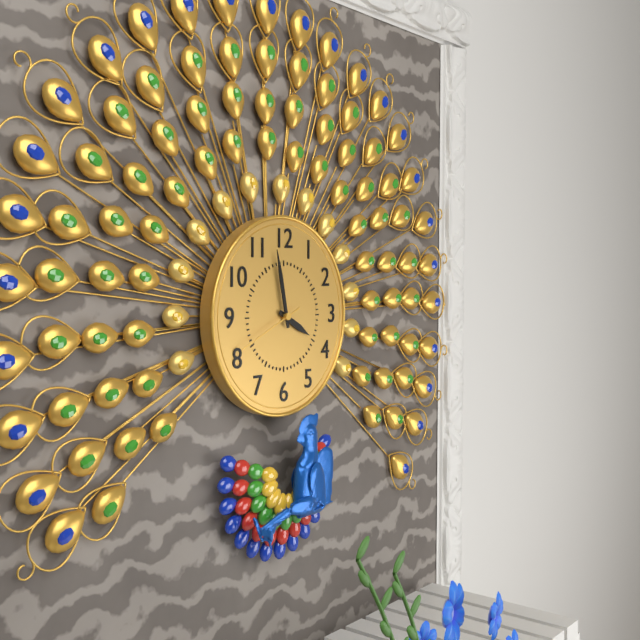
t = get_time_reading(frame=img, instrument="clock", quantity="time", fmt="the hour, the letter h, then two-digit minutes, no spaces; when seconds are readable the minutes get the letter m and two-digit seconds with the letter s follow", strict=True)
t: 3h58m41s
